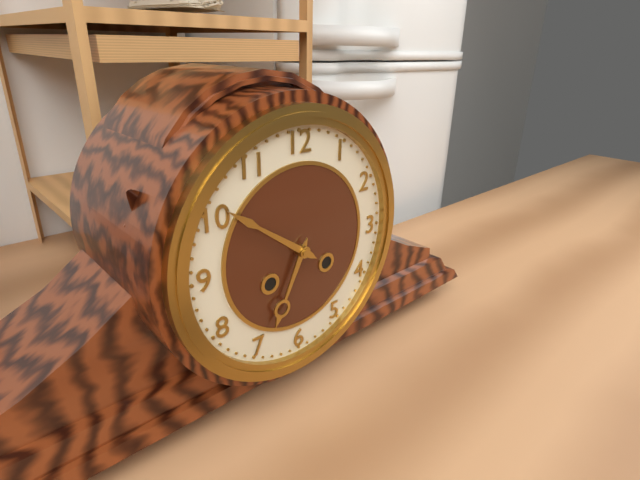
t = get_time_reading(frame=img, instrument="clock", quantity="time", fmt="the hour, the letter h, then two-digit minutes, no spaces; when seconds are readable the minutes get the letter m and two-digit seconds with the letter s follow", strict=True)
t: 6h51
